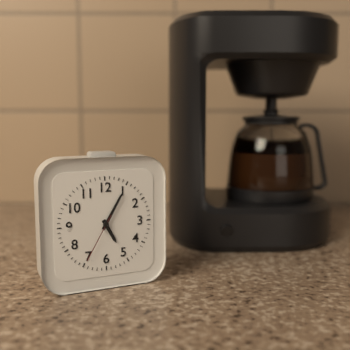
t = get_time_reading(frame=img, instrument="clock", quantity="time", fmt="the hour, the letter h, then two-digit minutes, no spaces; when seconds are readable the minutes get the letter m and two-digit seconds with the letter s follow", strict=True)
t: 5h05m35s
